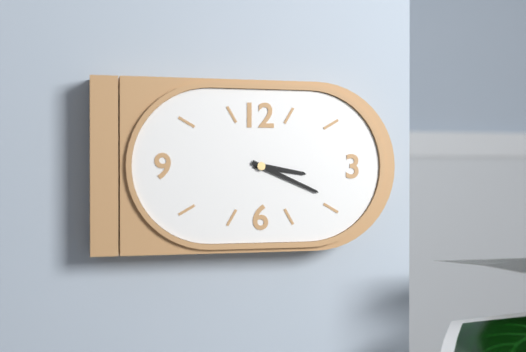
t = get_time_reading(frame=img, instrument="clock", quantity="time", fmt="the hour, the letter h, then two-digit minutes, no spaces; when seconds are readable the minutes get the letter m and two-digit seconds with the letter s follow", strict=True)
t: 3h19
